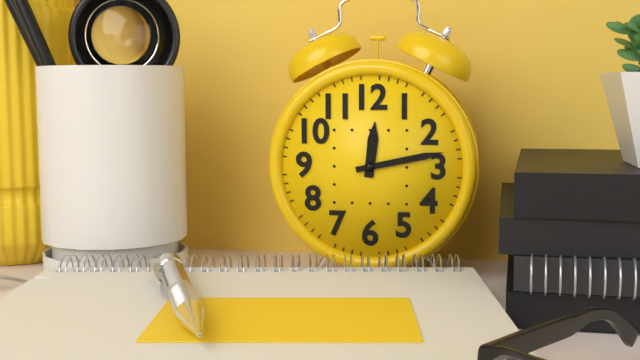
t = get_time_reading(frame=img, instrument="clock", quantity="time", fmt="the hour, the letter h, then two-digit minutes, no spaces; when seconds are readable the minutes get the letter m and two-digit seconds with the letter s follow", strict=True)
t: 12h13
